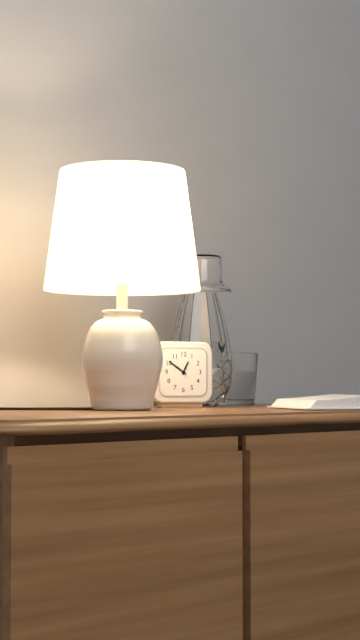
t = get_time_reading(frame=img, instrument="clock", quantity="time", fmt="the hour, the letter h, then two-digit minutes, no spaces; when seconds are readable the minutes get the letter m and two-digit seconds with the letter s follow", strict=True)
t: 12h51
